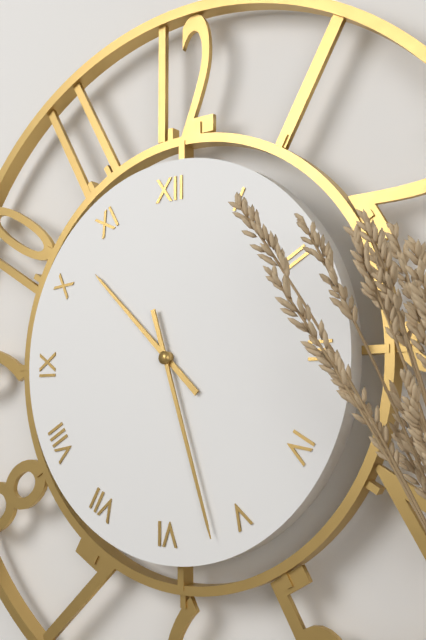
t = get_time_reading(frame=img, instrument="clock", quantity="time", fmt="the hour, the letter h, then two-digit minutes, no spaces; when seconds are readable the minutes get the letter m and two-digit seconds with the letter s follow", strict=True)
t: 10h27
